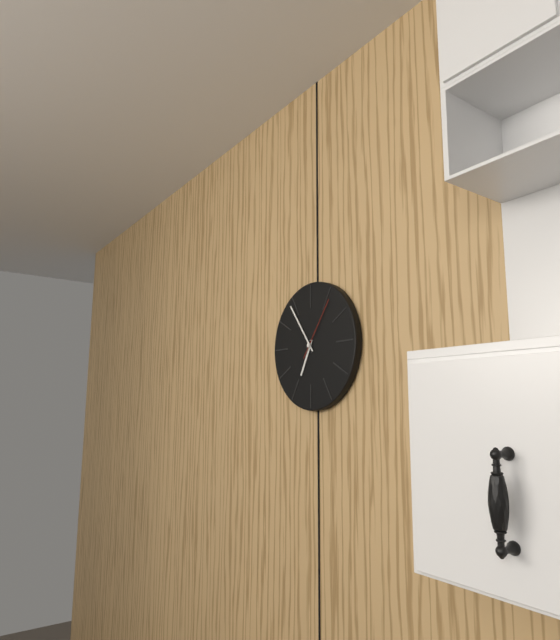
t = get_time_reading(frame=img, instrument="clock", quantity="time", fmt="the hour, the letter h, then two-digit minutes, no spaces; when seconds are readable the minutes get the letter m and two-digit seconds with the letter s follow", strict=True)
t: 6h54m06s
